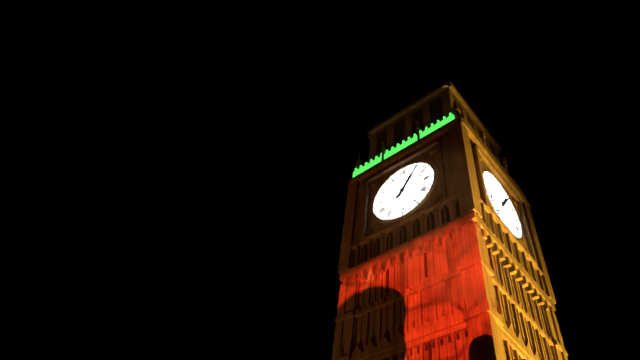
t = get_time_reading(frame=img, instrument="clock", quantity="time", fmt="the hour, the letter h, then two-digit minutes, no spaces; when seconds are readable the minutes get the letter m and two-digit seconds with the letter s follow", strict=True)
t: 1h06
